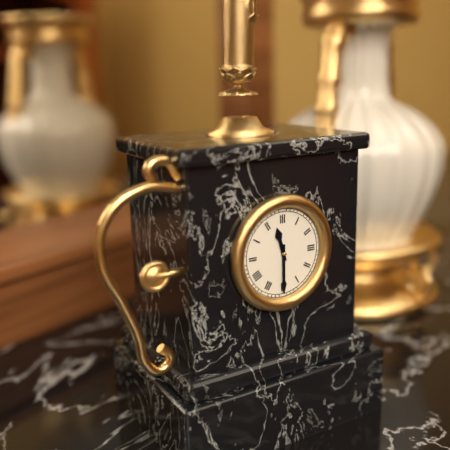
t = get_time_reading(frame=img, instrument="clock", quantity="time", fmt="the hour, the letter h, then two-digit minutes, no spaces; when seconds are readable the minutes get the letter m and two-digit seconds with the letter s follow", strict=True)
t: 11h30
